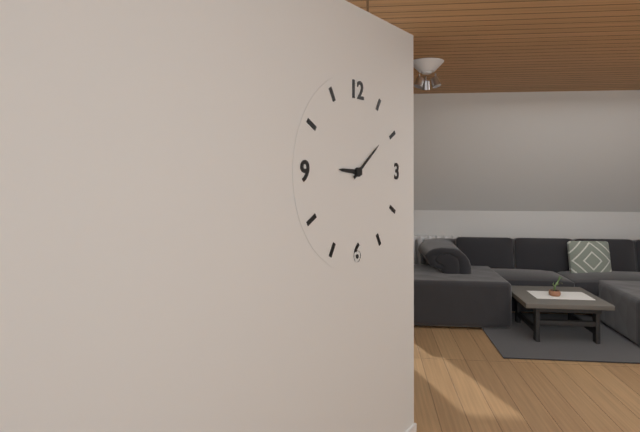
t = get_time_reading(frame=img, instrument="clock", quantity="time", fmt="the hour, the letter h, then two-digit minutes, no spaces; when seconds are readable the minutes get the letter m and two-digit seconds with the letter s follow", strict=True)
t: 9h09
